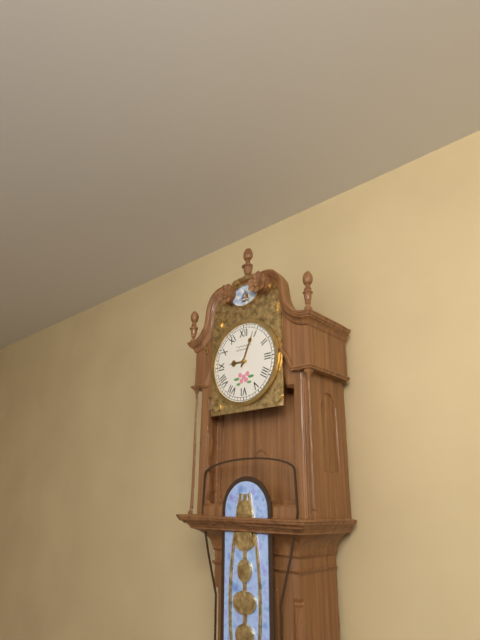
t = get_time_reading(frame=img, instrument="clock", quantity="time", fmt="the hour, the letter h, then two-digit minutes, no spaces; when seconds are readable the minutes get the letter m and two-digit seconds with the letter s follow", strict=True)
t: 9h04
